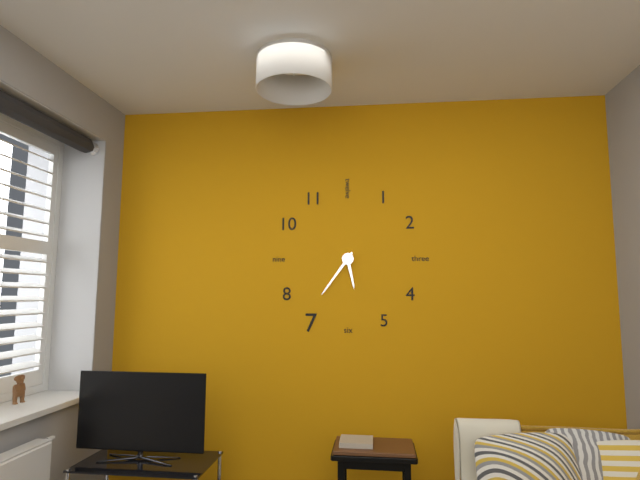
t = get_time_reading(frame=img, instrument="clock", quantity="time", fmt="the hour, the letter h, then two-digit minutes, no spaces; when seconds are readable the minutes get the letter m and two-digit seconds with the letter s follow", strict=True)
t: 5h36
